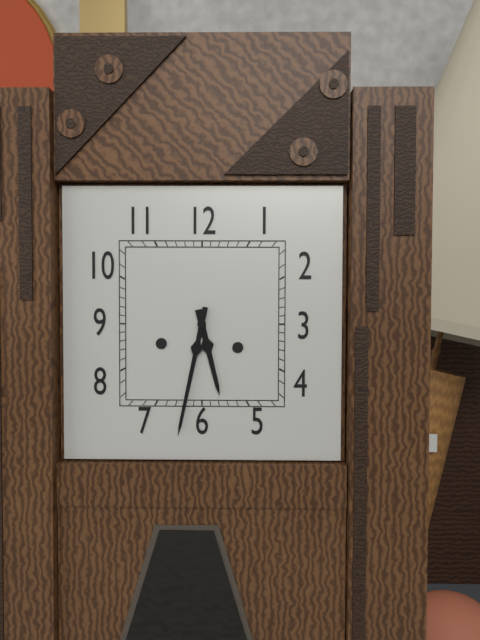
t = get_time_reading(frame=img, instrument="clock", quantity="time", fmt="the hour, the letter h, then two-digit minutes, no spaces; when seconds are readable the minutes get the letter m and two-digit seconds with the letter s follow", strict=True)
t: 5h32
